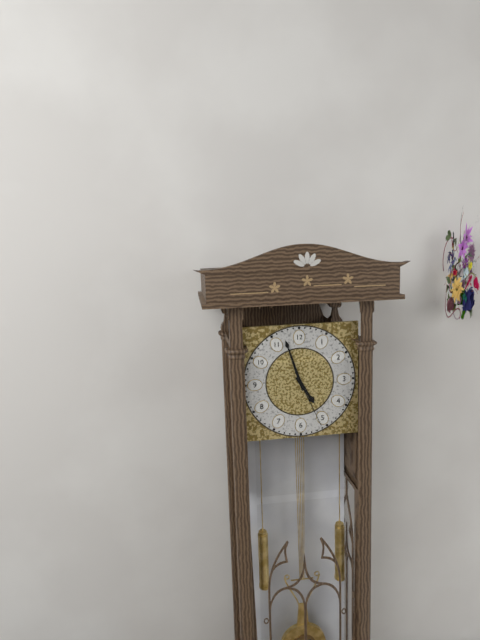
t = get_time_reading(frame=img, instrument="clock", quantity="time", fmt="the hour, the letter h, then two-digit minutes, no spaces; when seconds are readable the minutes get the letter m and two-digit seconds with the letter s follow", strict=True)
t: 4h57m26s
